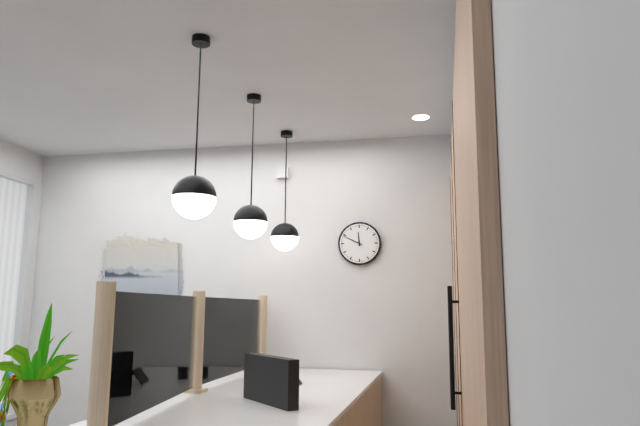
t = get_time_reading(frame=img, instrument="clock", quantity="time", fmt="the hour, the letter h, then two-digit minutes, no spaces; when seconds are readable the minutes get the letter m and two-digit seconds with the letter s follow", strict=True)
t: 11h49
